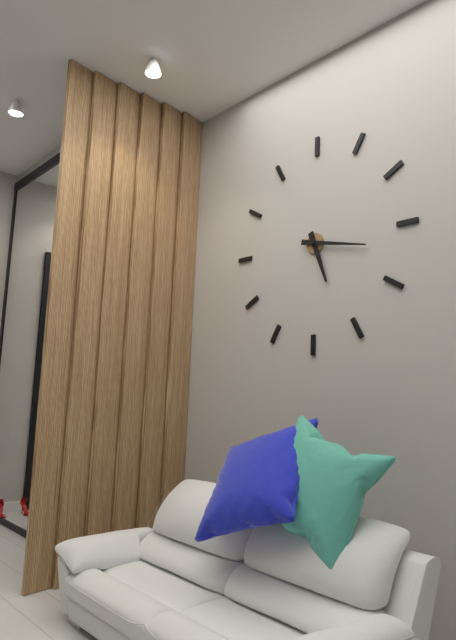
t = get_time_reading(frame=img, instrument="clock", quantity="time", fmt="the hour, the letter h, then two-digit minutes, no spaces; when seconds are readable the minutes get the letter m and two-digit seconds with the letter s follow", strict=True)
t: 5h17
